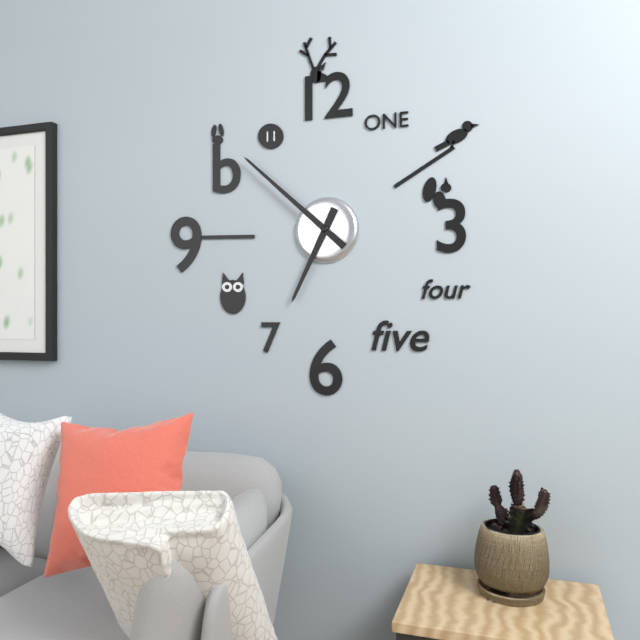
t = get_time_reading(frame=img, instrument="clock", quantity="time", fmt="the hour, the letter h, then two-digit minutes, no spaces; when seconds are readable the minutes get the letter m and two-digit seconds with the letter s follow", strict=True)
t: 6h52
